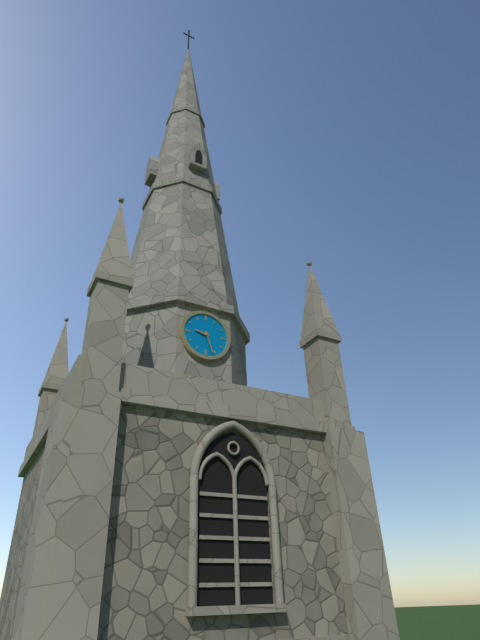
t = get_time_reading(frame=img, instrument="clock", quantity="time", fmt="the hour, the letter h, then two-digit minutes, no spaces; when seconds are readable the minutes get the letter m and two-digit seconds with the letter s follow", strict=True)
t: 9h27
